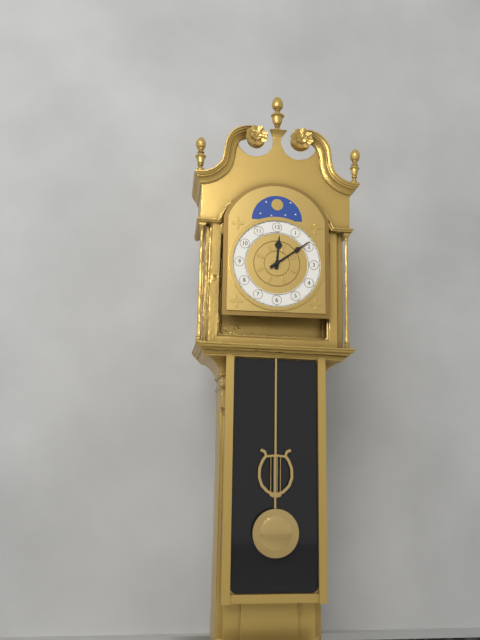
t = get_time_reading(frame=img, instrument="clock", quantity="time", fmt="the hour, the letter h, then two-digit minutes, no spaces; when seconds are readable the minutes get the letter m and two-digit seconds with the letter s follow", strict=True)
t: 12h09
